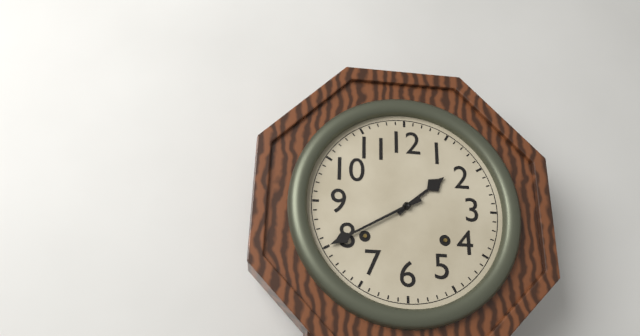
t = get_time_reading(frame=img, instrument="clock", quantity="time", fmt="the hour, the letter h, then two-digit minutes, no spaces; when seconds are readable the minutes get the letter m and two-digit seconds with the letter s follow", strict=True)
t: 1h40
